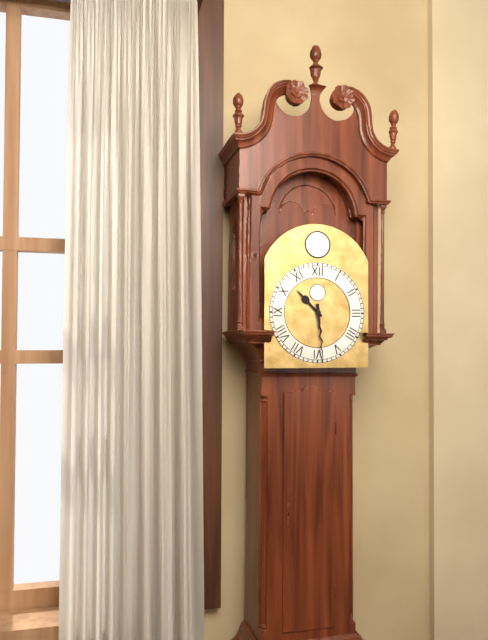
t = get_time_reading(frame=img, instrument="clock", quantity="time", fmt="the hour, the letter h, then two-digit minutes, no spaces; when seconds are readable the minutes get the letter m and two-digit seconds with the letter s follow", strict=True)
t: 10h29
